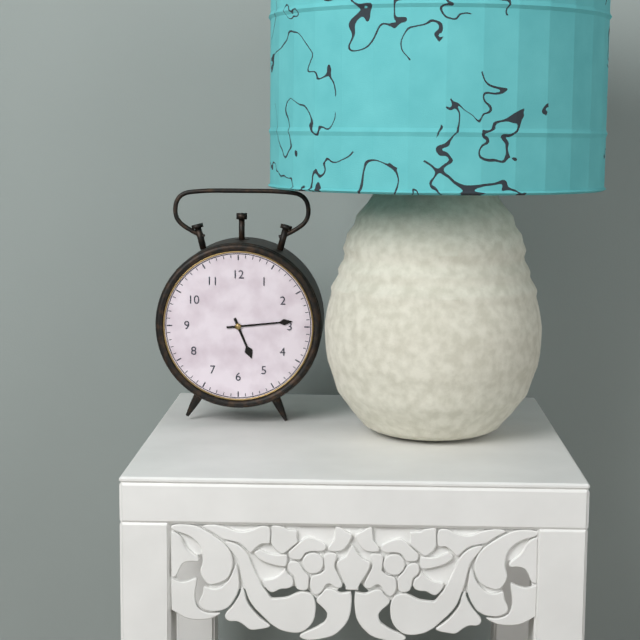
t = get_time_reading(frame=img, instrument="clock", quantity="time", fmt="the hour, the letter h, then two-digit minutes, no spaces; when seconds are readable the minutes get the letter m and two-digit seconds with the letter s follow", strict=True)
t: 5h14
